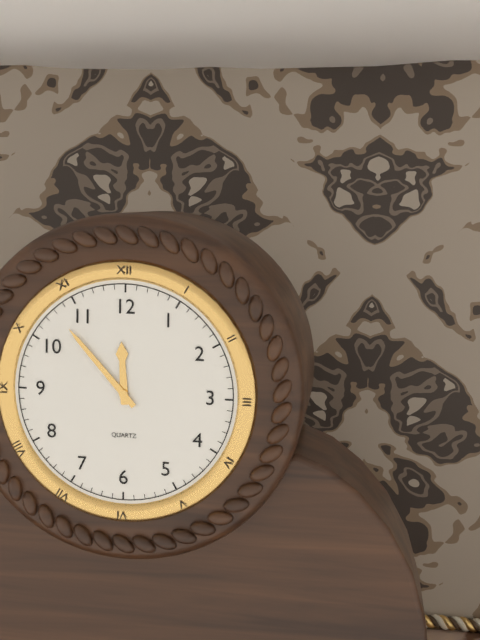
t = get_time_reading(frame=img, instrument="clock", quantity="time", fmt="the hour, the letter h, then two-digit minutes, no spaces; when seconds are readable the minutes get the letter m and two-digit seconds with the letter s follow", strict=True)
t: 11h53
